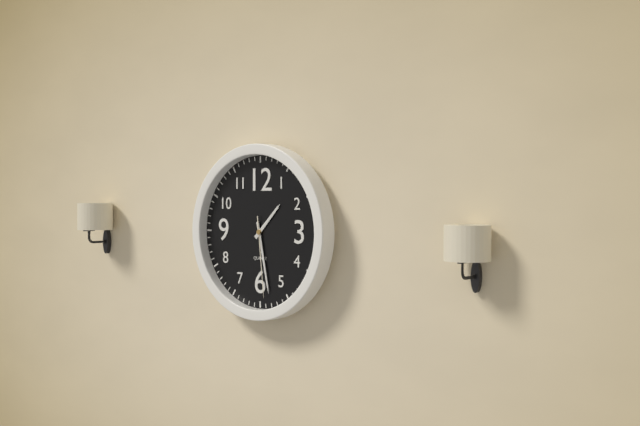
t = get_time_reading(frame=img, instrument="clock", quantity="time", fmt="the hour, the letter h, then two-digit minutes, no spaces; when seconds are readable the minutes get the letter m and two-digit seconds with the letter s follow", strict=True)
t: 1h28m29s
